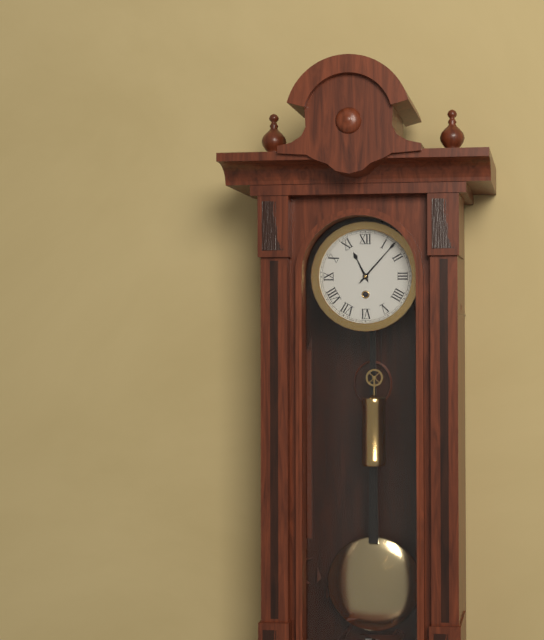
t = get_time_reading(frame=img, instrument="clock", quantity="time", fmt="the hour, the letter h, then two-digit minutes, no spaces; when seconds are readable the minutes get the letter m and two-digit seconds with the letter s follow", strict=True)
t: 11h07
